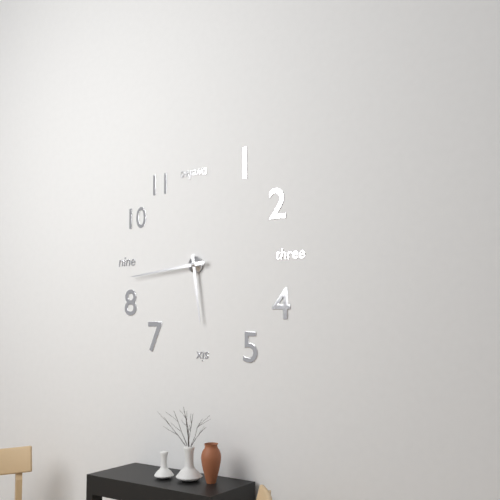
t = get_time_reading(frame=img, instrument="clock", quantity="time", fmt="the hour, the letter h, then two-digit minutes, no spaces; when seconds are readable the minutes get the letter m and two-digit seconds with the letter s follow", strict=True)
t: 5h44
